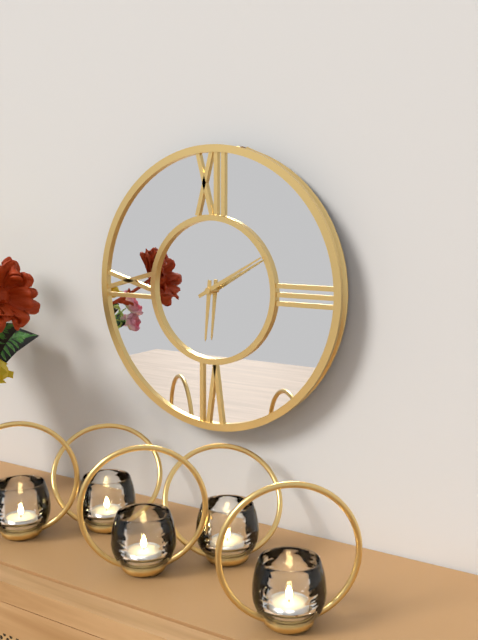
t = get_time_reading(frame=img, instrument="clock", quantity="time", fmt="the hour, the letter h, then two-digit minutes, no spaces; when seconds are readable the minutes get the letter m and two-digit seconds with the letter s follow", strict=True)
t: 6h10
